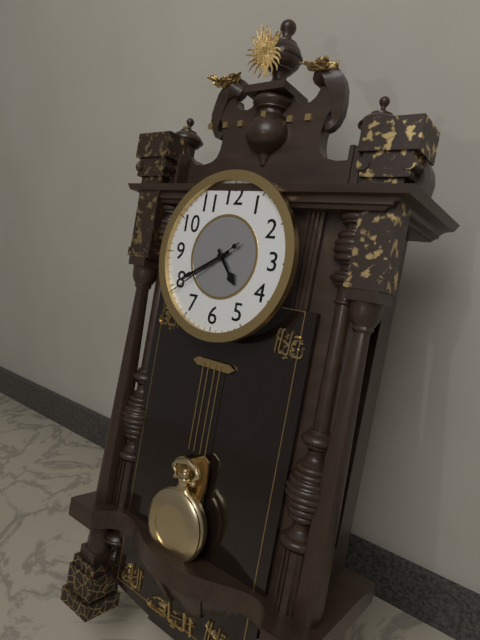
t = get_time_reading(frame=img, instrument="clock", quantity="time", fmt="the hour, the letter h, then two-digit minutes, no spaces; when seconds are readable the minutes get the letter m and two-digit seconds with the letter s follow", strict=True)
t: 4h40m39s
